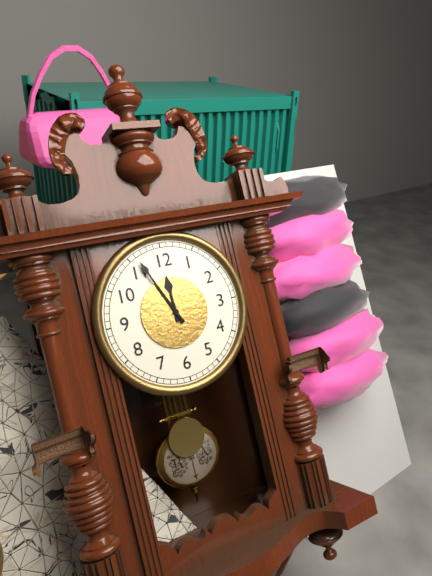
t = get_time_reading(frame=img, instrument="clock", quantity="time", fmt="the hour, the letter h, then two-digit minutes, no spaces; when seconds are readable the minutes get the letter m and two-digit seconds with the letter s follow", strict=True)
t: 11h56
